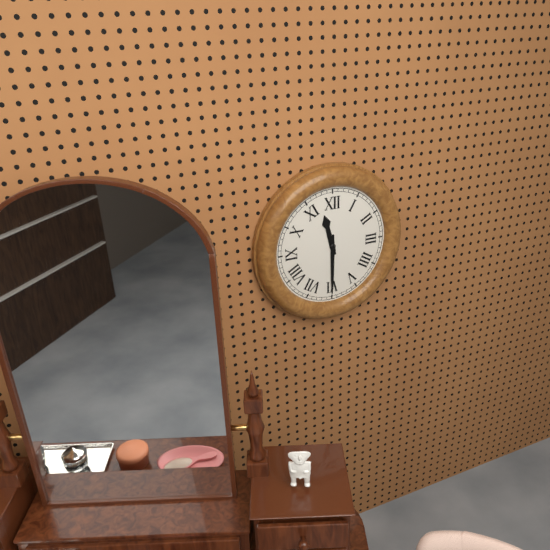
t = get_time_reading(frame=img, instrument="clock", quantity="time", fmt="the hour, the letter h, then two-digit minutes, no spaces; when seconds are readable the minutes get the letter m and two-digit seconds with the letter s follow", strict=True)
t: 11h30
